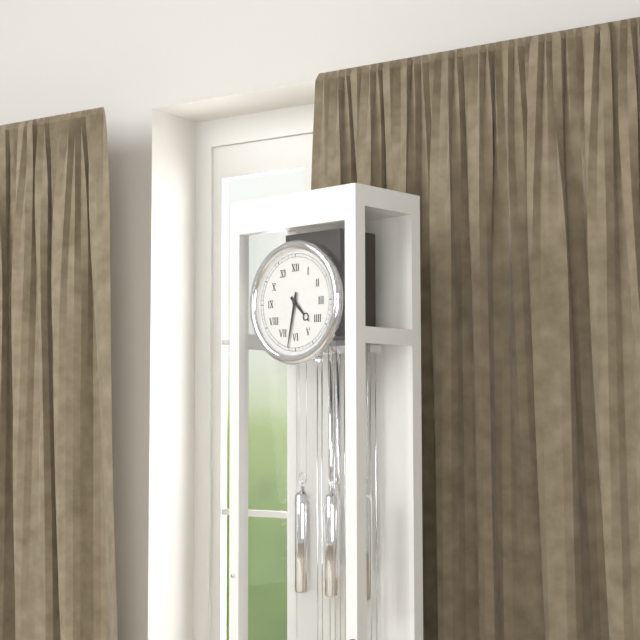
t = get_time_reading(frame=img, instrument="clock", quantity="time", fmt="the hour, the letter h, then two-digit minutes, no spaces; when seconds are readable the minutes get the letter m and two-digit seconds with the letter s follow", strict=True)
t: 4h32
